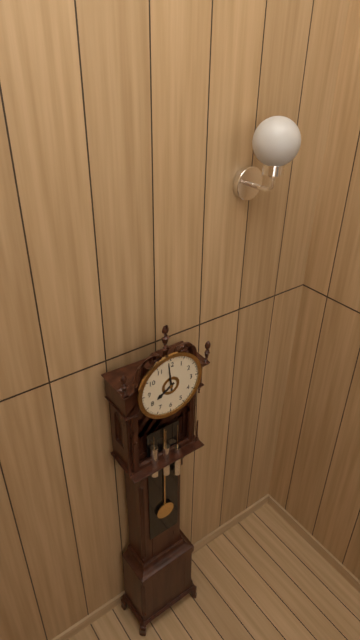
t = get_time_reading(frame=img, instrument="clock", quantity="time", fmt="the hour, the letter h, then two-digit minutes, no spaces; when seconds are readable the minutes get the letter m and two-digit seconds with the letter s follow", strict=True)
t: 7h59
